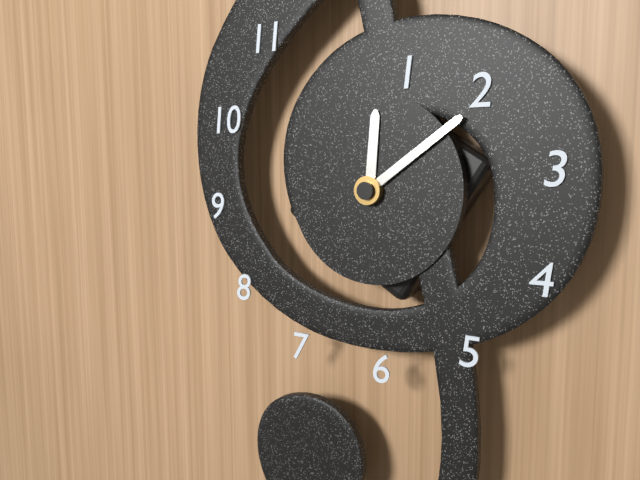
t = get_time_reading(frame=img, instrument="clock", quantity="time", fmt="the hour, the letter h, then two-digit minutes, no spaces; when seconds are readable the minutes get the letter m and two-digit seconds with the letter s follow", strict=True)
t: 12h09
